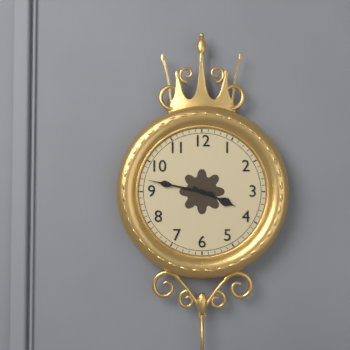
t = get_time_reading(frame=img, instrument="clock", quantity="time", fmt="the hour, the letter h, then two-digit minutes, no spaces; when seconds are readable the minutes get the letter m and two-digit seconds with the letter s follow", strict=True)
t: 3h47
